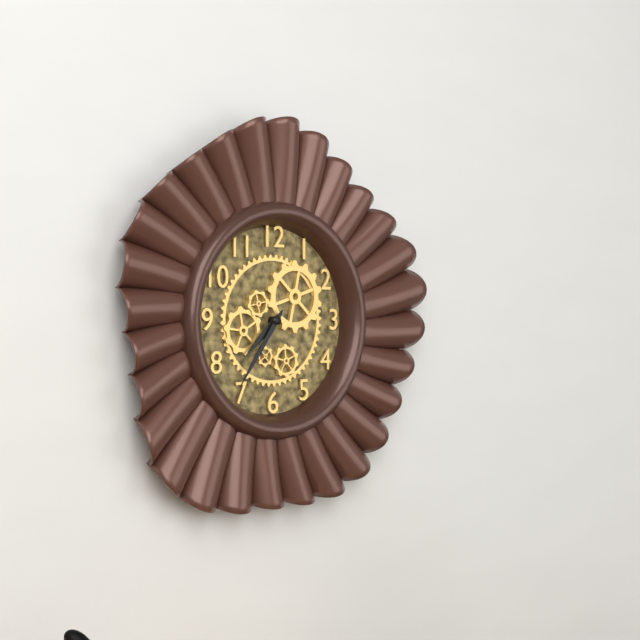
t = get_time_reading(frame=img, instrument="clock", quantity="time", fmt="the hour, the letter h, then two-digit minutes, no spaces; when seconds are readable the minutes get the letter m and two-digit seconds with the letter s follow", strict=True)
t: 7h36
